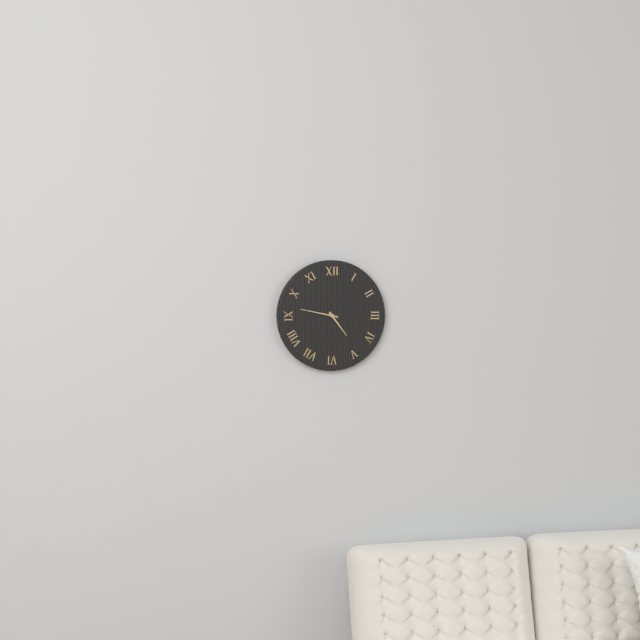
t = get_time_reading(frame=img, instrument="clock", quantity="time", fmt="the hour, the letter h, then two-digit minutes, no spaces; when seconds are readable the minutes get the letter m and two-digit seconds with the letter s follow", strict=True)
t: 4h47
